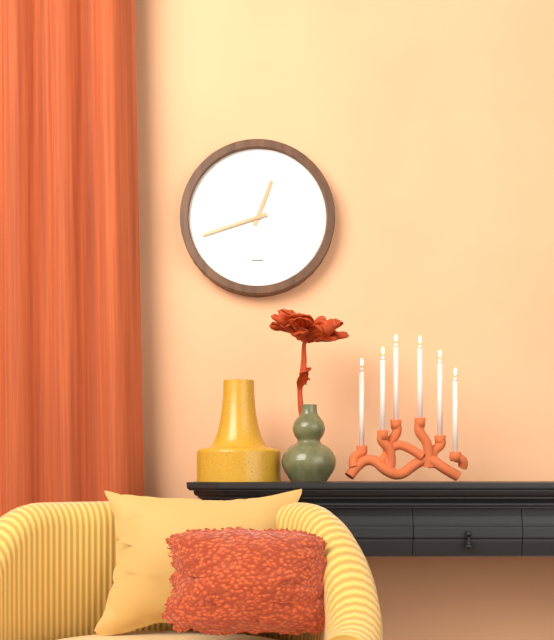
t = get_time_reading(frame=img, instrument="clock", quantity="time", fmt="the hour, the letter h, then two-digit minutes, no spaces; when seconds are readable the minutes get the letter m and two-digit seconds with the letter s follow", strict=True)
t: 12h42
